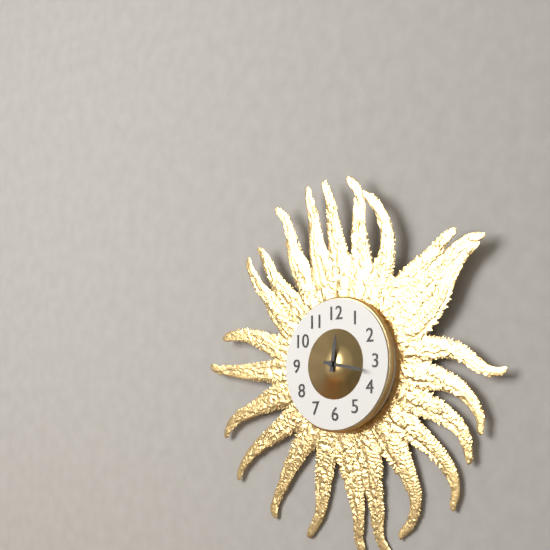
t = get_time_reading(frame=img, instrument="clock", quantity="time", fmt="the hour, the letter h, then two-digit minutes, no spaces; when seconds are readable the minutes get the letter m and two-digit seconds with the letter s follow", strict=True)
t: 12h17
